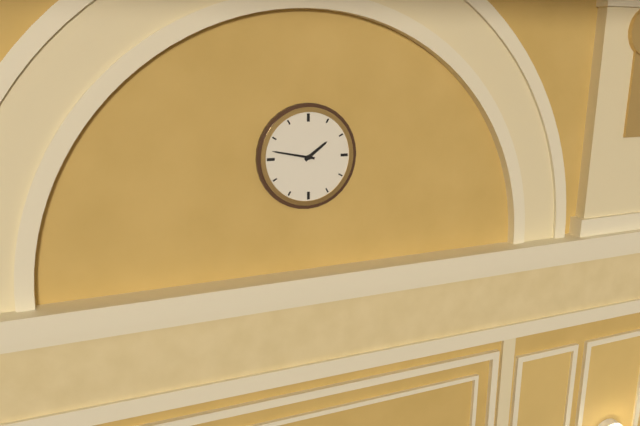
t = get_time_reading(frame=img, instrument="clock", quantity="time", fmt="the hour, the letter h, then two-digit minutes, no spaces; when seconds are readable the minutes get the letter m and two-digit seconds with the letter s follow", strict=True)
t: 1h47
